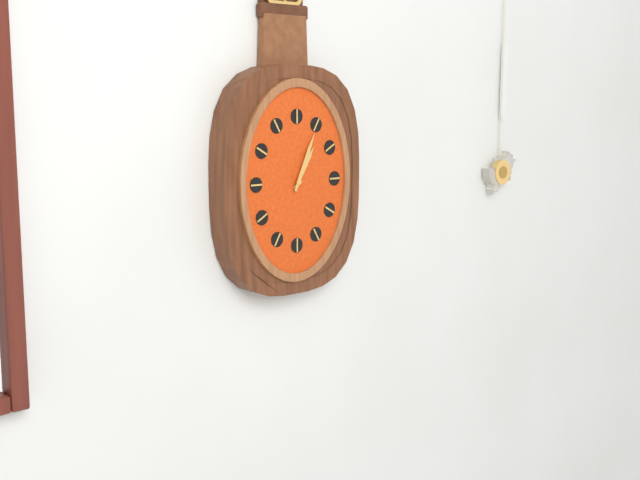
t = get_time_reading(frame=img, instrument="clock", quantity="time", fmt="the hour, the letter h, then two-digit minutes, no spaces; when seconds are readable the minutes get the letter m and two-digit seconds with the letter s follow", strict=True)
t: 1h04
